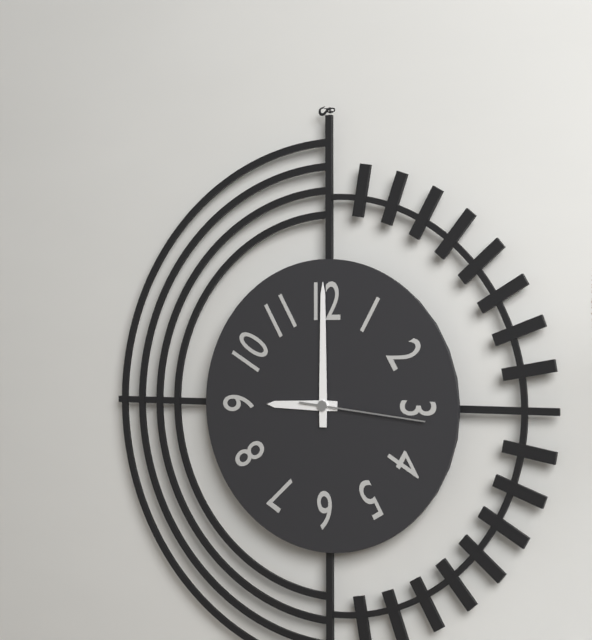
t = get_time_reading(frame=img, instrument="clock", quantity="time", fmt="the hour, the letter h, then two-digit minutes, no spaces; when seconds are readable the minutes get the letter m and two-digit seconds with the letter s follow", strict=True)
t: 9h00m16s
